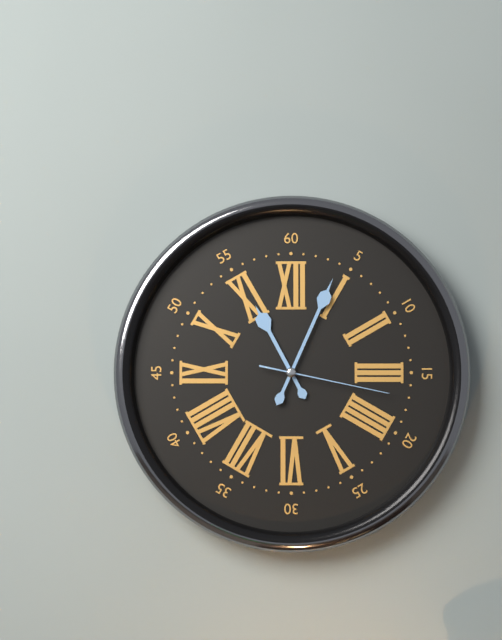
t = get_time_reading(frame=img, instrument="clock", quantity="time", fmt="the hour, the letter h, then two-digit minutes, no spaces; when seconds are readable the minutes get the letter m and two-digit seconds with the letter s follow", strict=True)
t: 11h04m17s
